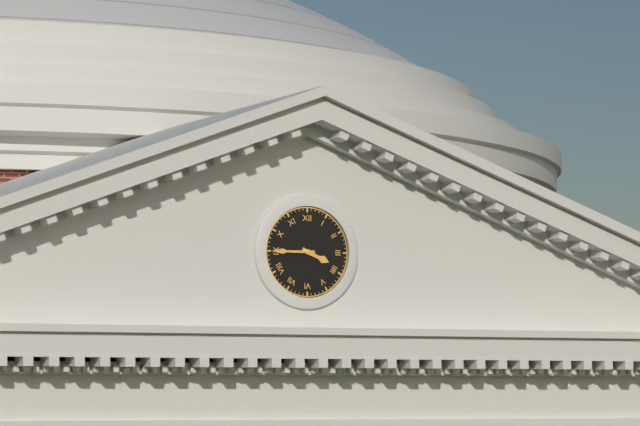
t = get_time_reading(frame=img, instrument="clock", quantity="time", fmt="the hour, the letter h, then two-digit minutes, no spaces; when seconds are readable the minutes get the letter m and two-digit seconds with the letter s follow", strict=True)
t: 3h45
